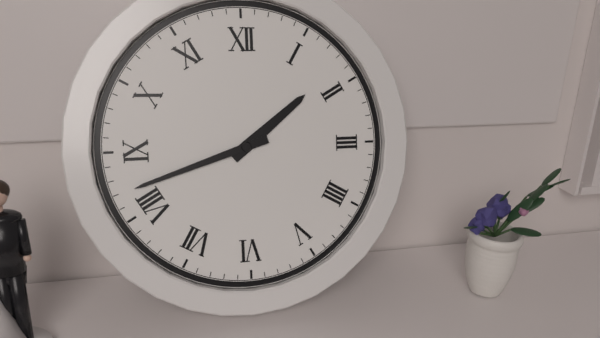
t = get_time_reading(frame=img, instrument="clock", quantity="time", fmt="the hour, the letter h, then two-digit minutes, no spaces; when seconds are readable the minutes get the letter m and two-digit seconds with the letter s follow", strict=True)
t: 1h42
